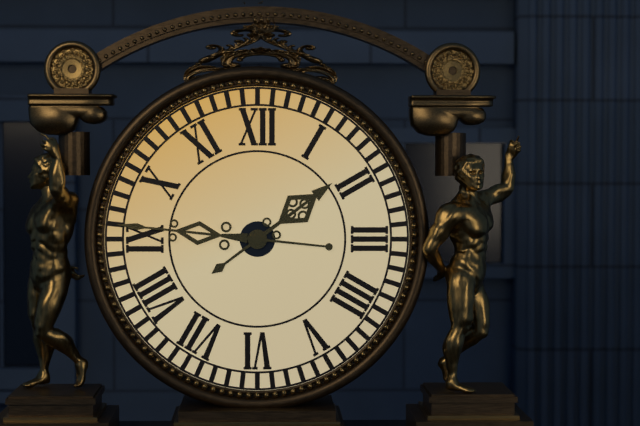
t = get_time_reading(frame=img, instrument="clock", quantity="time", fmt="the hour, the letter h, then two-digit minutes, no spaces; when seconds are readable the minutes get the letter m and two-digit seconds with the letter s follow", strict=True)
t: 1h46
